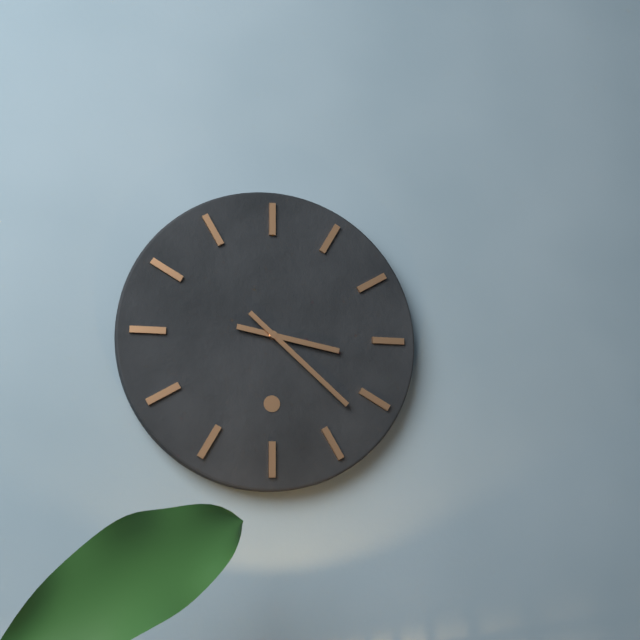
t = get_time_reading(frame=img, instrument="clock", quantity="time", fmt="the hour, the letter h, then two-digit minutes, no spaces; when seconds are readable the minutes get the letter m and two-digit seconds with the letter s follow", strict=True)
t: 3h22
